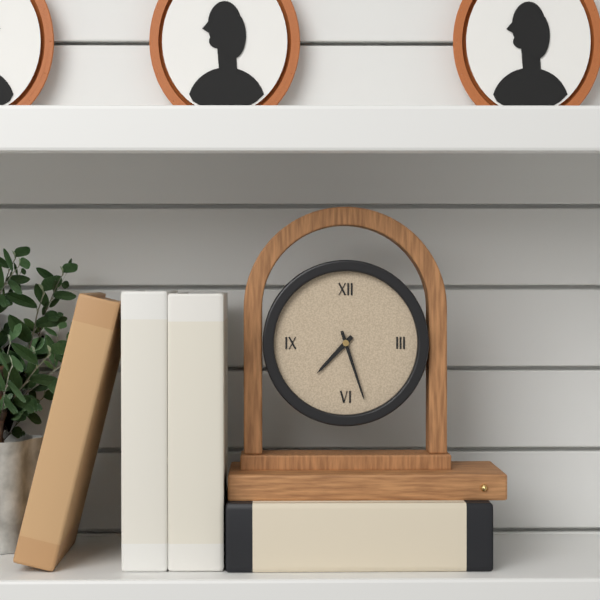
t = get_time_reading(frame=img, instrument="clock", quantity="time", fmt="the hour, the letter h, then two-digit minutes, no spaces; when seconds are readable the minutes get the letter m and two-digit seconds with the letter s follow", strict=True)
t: 7h27
